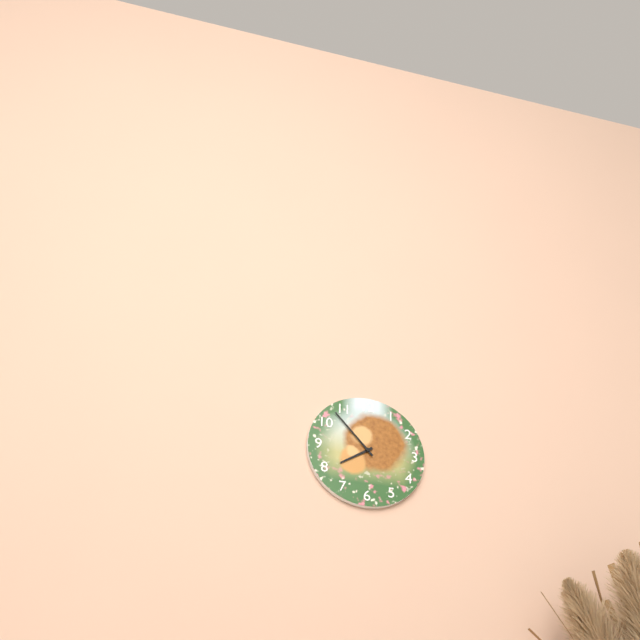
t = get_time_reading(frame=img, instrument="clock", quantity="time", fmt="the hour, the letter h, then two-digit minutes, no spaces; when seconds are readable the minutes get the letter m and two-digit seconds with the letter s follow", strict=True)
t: 7h53
